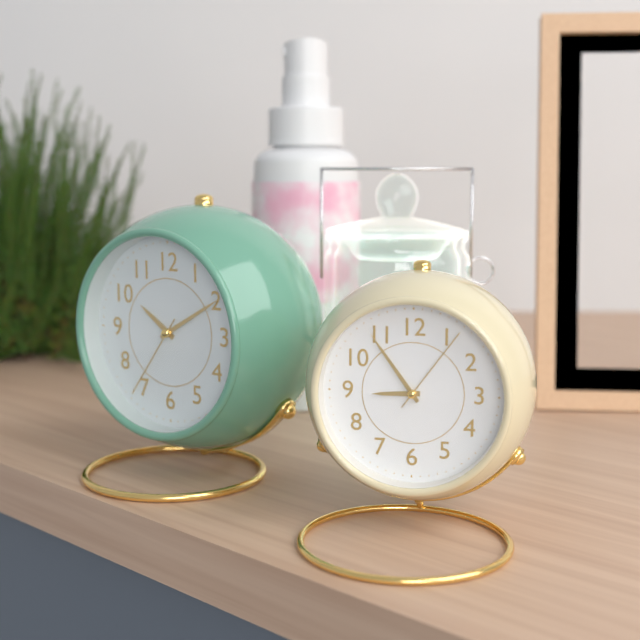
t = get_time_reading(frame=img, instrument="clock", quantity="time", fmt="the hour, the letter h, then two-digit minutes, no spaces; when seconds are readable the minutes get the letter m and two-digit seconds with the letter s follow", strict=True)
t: 8h54m06s
